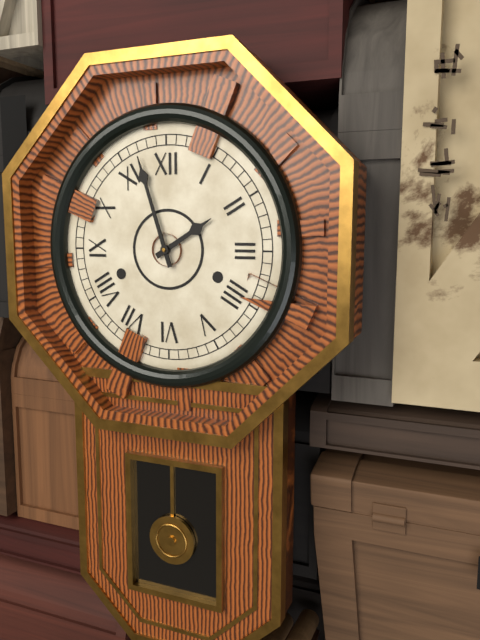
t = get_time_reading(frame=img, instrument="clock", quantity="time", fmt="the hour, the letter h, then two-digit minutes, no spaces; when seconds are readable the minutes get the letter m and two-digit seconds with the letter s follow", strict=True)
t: 1h57
